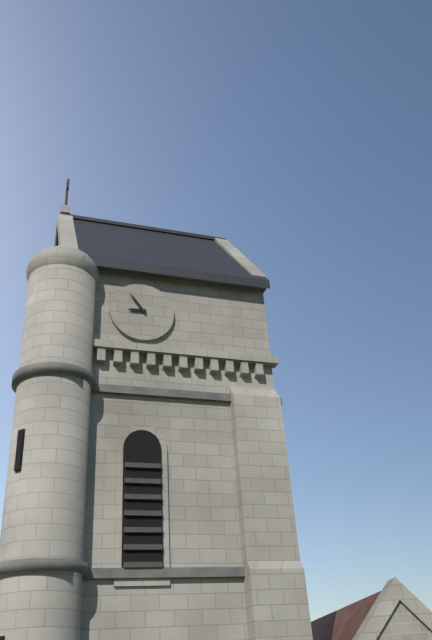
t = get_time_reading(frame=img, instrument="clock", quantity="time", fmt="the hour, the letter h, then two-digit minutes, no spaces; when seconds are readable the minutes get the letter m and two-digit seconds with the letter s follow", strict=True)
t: 8h54
